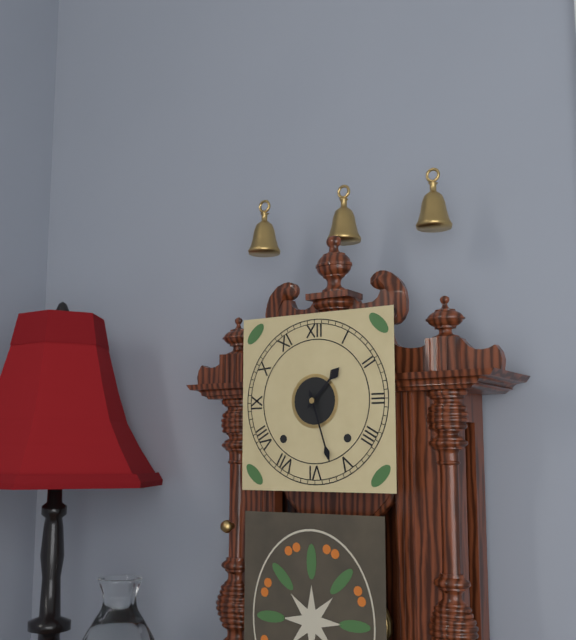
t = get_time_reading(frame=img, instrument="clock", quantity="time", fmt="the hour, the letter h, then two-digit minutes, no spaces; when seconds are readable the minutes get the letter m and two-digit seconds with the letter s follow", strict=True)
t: 1h27
